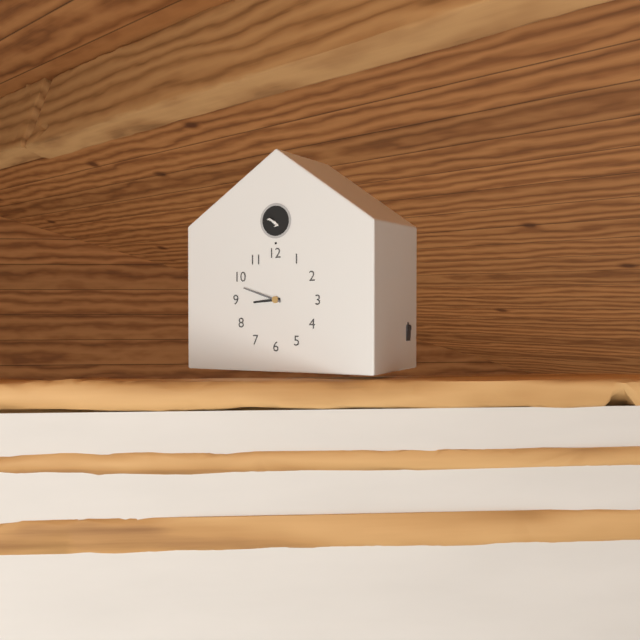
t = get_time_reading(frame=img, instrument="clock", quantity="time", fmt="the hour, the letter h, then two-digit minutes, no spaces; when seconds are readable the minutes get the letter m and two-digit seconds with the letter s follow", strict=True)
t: 8h48
